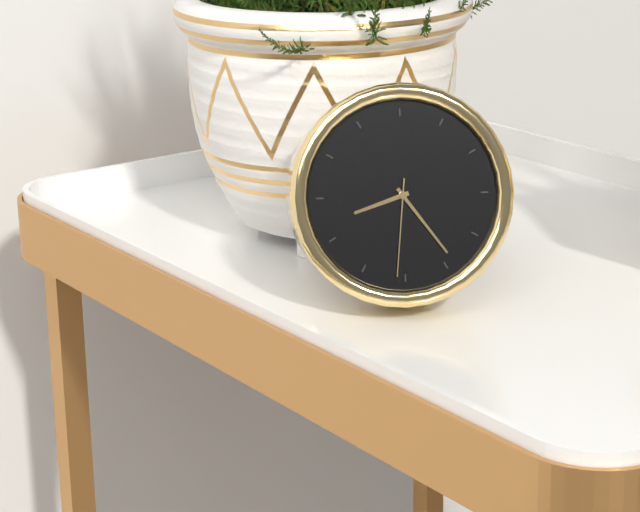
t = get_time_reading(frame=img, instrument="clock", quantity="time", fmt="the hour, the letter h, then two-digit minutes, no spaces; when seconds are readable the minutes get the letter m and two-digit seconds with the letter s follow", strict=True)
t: 8h24m31s
